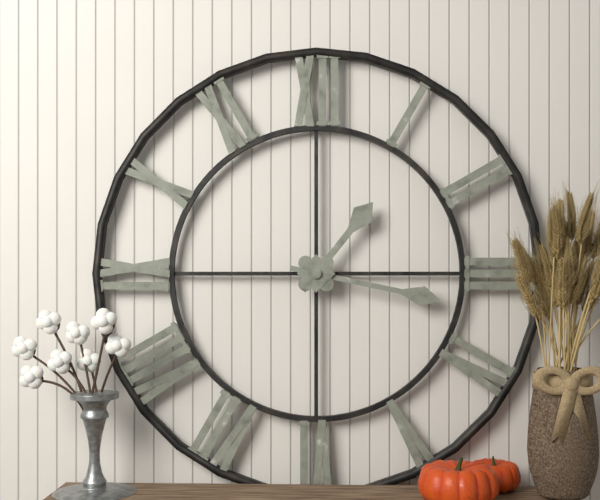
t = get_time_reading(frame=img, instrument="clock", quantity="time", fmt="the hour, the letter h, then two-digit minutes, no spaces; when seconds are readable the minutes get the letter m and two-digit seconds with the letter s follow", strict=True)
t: 1h17
